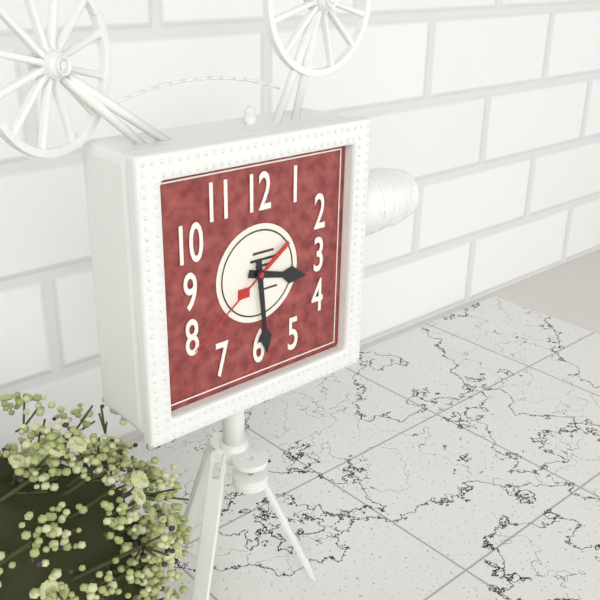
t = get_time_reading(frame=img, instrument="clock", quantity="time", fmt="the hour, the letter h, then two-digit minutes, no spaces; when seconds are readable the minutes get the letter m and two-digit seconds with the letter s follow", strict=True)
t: 3h29m39s
